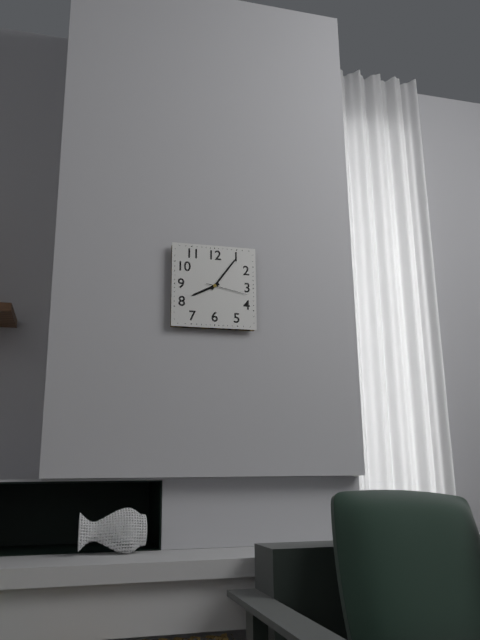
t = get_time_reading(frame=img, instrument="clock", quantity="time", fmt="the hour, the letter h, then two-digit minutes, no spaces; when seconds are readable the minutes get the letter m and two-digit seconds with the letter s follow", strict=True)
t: 8h06
